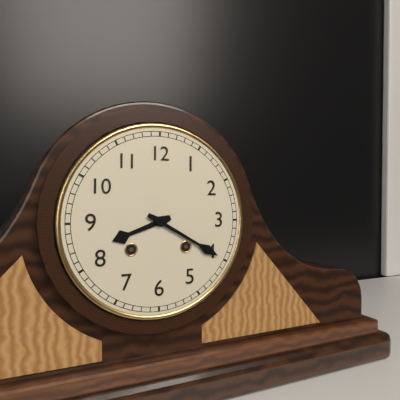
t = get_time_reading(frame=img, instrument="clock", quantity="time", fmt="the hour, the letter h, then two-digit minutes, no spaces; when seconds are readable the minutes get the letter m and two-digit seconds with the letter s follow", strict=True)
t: 8h20
